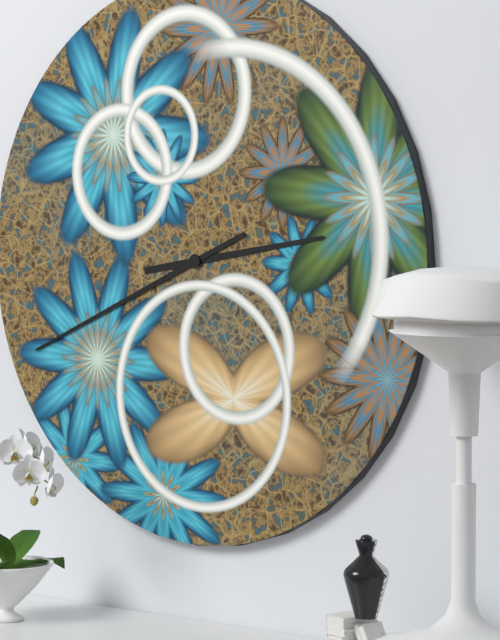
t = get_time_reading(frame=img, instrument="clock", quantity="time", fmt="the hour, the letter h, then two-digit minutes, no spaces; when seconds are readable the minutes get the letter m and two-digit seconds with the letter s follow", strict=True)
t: 2h41
